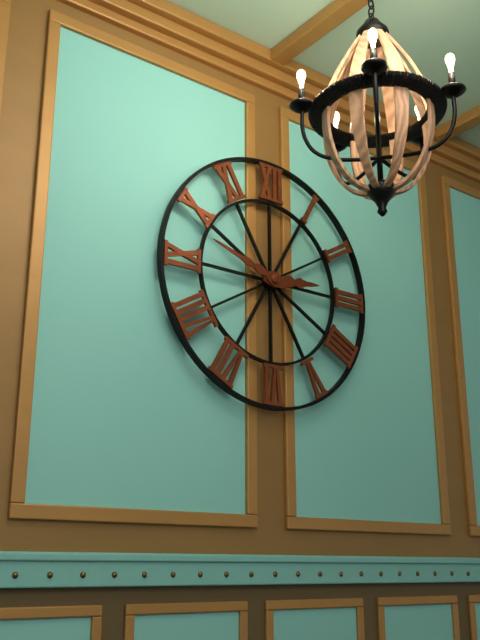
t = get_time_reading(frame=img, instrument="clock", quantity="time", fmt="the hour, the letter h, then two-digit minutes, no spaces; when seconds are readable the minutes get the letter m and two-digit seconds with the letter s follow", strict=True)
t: 2h48
